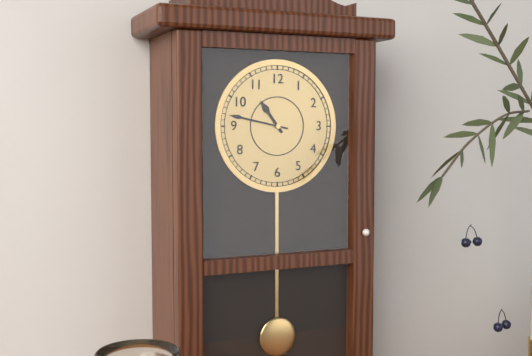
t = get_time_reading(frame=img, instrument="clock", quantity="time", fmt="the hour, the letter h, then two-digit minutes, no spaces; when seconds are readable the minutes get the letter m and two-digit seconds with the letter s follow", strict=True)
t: 10h47
